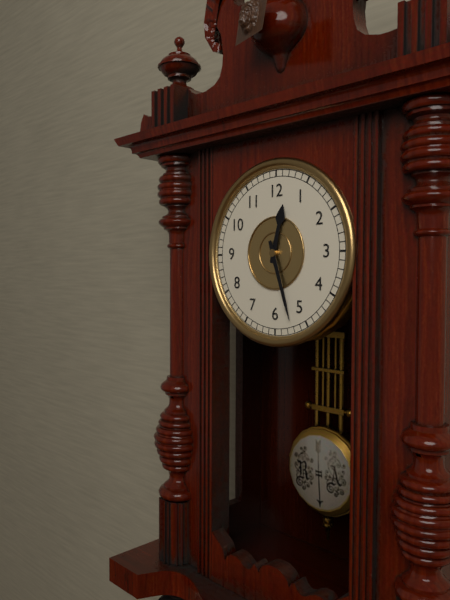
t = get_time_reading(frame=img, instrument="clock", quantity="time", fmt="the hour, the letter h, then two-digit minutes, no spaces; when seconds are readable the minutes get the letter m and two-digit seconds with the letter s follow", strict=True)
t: 12h27
